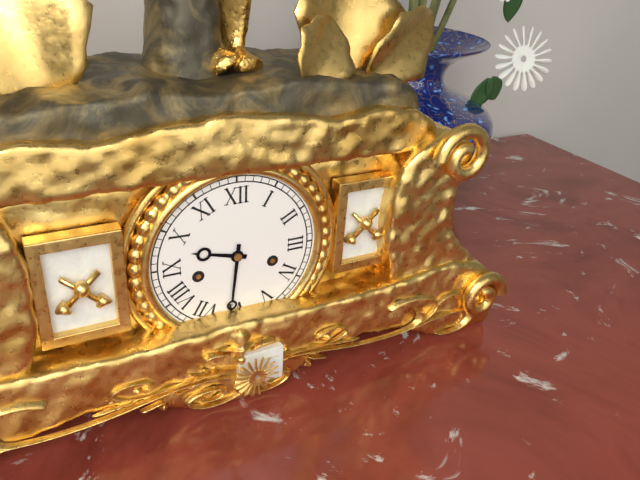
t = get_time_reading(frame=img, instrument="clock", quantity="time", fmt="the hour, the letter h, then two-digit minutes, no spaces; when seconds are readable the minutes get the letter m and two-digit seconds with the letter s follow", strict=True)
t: 9h31
